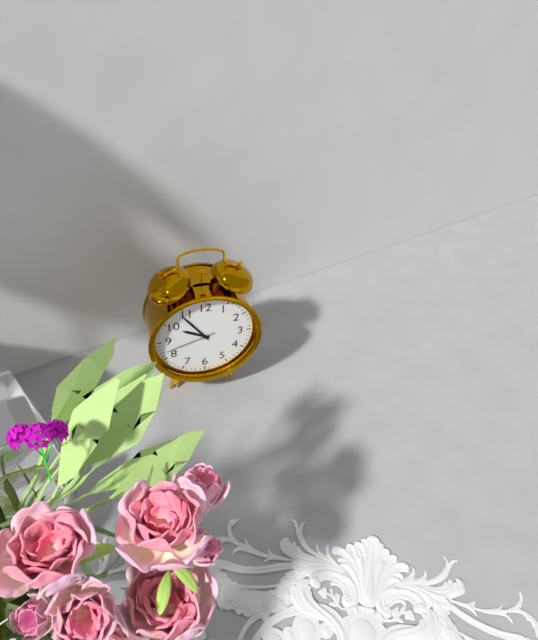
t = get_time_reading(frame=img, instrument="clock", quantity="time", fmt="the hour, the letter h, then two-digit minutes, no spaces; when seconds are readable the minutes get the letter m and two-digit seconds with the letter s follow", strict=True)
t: 9h54m42s
